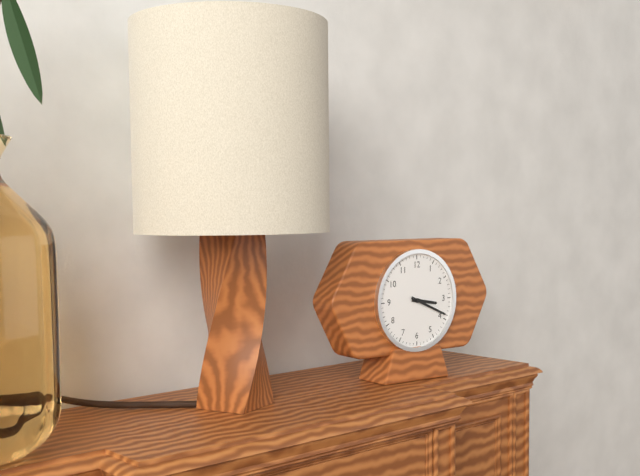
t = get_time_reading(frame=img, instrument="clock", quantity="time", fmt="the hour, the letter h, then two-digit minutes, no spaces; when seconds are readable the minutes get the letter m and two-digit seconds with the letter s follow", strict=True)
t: 3h19
